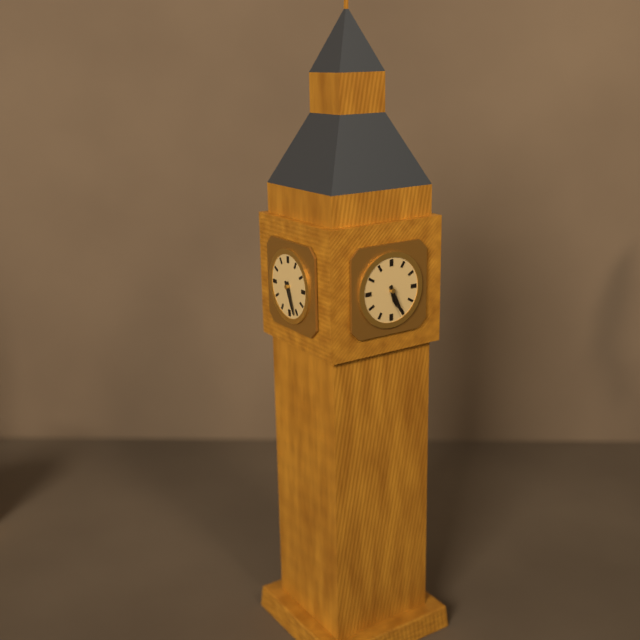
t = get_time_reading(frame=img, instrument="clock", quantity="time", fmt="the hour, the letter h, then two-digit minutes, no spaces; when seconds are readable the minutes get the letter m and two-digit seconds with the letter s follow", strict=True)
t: 5h26
